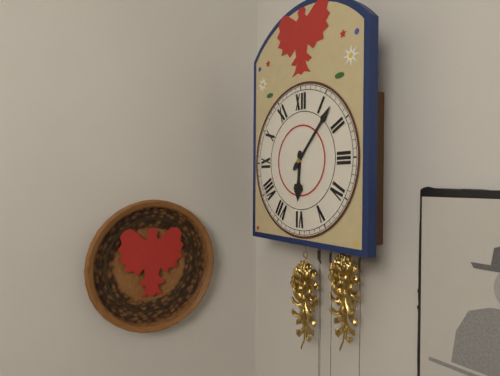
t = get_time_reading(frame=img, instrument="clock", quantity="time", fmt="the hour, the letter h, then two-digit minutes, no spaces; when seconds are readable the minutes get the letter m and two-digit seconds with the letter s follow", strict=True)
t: 6h07
